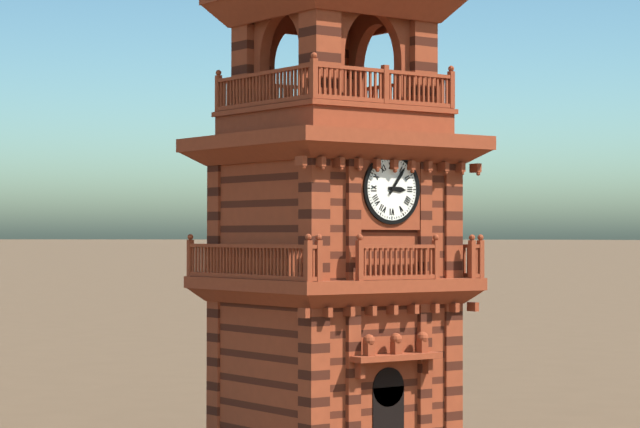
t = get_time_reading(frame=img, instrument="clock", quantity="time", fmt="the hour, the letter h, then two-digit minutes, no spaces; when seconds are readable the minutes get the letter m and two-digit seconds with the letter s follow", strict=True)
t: 3h06
